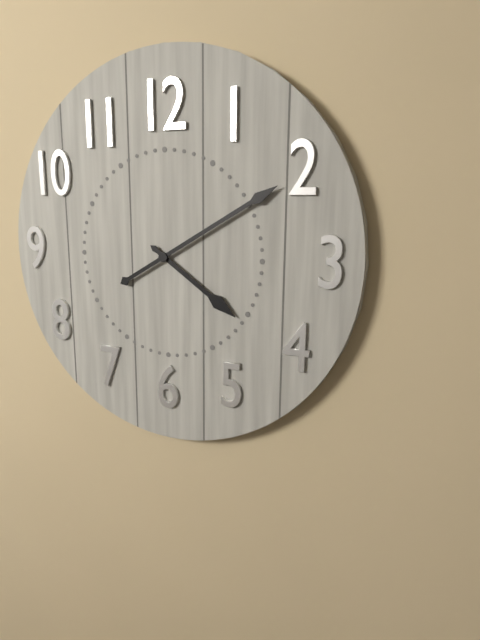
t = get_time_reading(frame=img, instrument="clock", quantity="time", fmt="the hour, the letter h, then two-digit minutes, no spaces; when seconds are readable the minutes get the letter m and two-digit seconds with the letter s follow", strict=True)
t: 4h10
